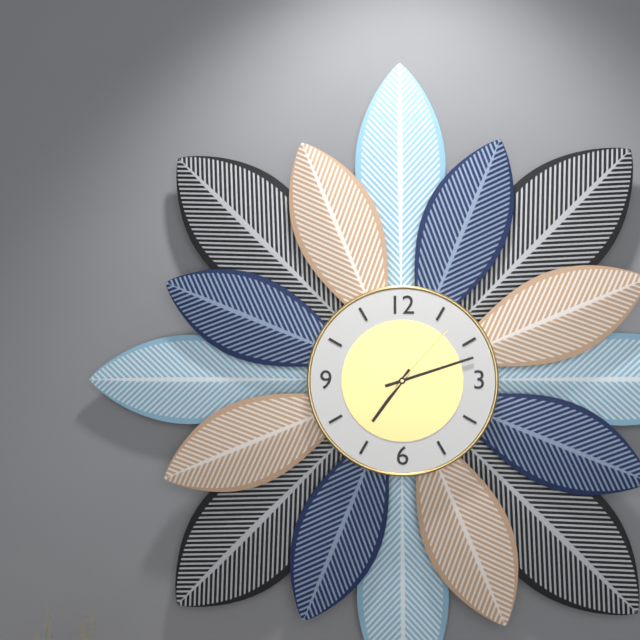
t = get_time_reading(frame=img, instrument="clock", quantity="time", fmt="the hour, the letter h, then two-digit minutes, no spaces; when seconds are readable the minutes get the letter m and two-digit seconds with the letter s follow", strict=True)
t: 7h12m07s
